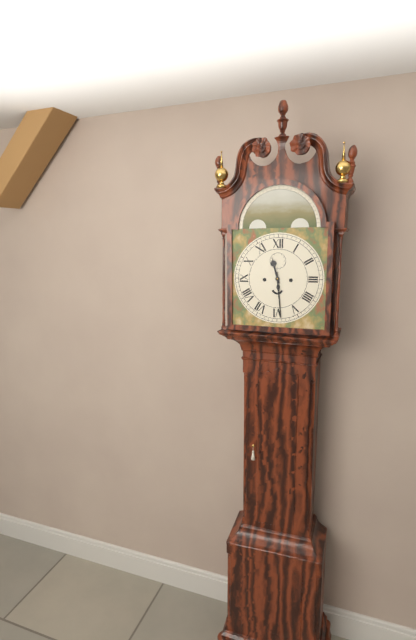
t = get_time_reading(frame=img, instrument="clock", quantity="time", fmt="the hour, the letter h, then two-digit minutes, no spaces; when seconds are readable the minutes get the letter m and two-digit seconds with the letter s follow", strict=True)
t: 11h29
